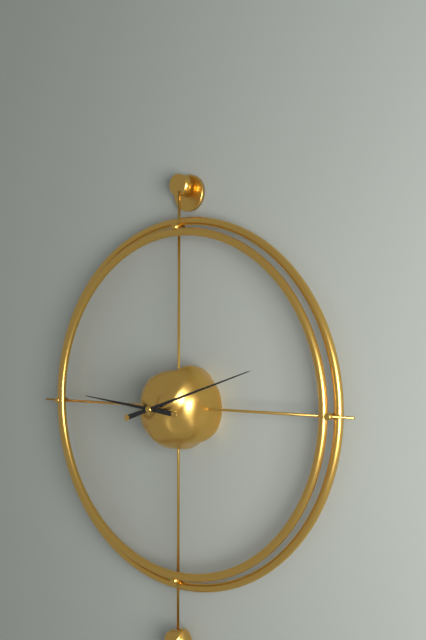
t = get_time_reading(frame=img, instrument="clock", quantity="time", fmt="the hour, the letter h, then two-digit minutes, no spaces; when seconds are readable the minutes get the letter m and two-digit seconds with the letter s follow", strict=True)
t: 9h12
